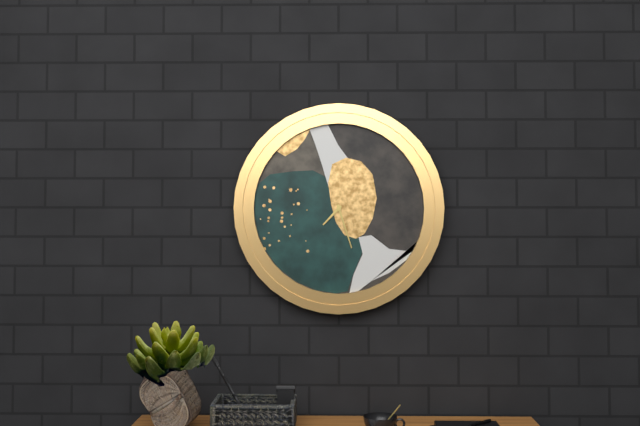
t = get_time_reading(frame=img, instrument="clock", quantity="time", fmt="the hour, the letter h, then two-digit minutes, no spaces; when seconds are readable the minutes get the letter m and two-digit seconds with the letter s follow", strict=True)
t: 7h27
